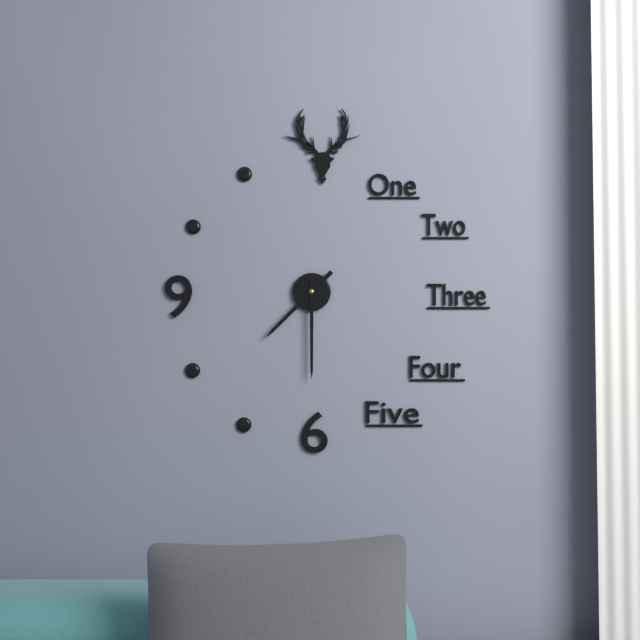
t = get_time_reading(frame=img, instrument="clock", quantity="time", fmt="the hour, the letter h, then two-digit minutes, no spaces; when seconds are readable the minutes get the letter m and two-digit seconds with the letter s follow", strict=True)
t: 7h30
